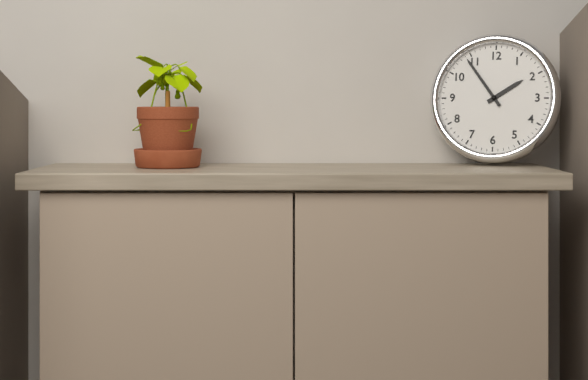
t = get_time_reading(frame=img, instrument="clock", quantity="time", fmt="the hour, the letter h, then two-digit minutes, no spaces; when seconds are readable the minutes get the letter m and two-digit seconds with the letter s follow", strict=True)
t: 1h54
